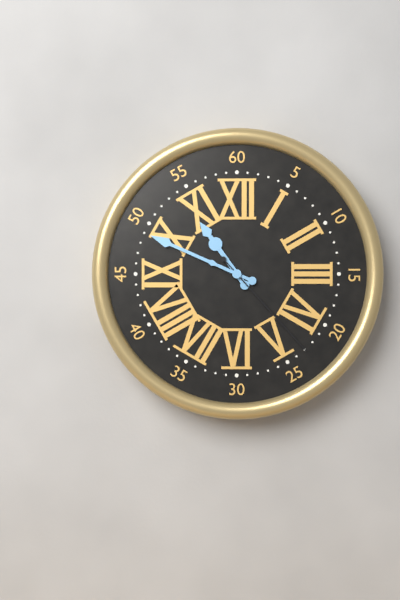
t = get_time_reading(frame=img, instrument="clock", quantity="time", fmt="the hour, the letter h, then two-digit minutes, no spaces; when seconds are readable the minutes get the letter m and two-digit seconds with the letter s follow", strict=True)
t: 10h49m23s
